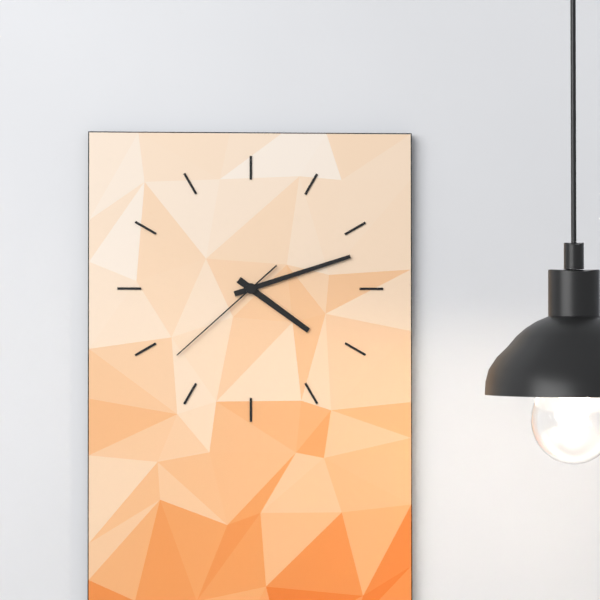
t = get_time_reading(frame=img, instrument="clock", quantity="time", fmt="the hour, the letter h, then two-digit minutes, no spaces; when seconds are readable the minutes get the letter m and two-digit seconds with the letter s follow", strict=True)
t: 4h12m38s
